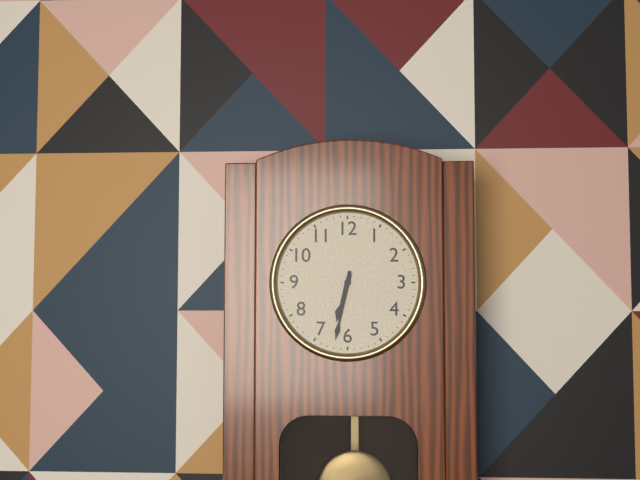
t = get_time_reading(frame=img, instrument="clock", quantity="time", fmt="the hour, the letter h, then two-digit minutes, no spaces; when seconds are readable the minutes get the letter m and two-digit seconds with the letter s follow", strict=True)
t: 6h32
